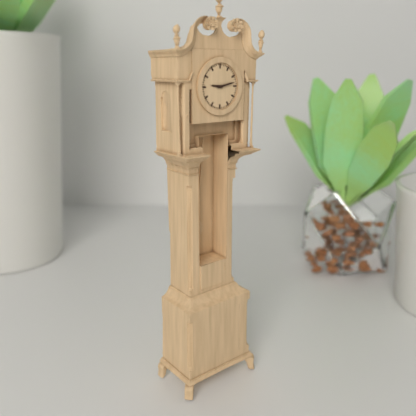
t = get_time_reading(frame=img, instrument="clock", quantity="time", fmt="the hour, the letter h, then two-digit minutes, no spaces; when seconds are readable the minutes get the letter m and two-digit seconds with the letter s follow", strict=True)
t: 9h13
